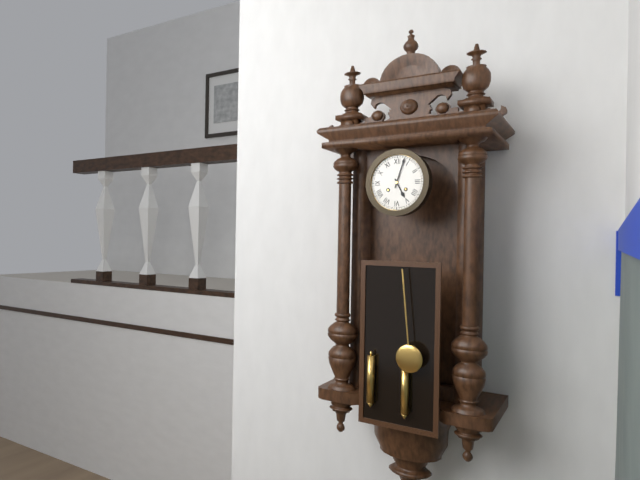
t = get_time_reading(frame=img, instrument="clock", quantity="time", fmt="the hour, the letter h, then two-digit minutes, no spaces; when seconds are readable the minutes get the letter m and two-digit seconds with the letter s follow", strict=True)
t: 5h03
